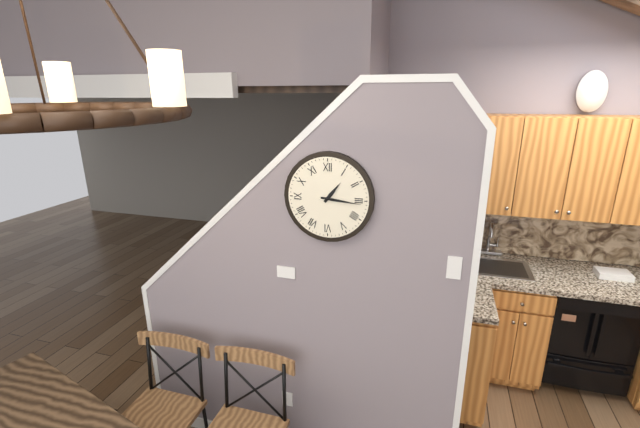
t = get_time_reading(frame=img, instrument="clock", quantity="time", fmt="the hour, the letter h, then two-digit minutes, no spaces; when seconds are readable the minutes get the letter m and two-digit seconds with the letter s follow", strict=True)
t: 1h16
